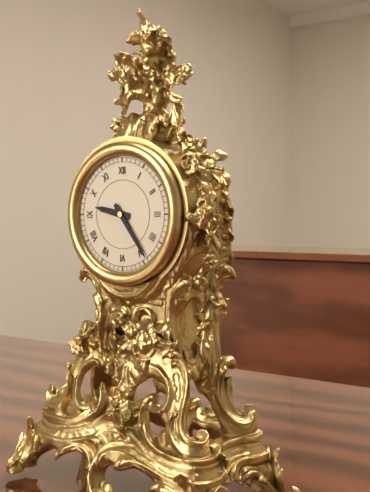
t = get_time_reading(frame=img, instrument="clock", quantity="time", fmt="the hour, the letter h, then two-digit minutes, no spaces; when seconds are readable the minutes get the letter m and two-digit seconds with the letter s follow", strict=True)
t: 9h24
